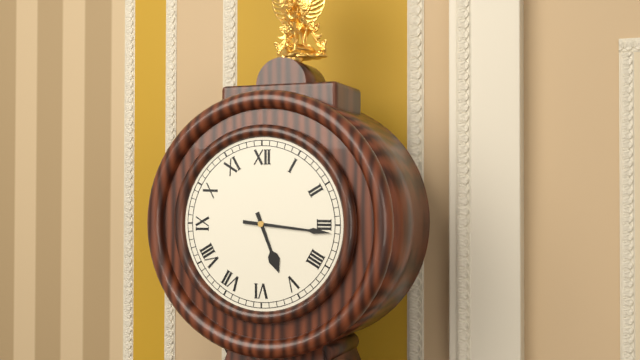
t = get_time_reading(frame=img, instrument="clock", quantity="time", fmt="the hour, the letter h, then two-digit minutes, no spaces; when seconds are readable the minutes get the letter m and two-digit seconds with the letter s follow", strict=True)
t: 5h16
